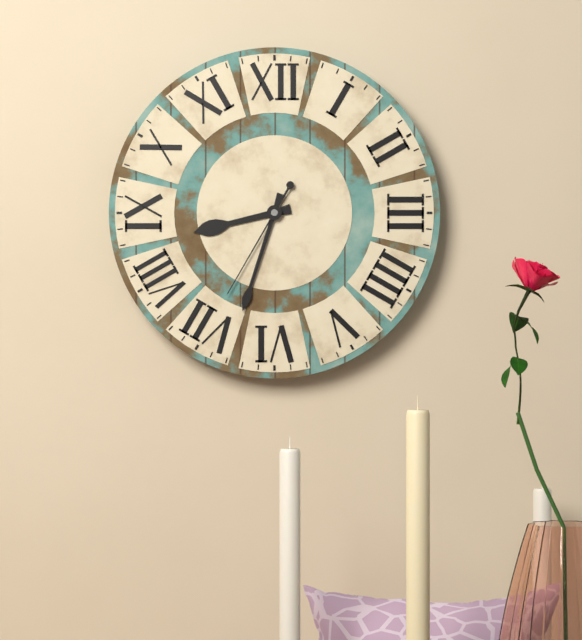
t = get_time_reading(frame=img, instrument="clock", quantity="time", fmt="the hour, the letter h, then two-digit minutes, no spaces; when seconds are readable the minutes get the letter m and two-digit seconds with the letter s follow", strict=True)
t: 8h33m35s
